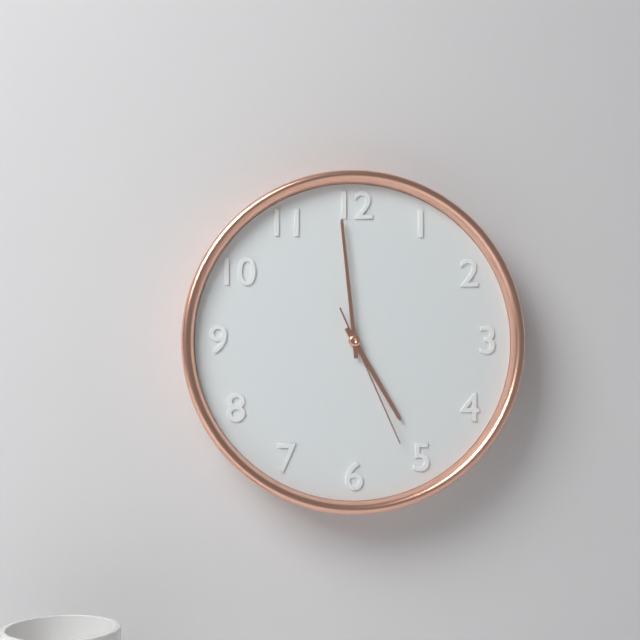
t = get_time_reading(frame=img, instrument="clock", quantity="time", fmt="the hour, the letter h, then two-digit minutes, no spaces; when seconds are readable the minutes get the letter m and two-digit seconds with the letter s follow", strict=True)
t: 4h59m26s
